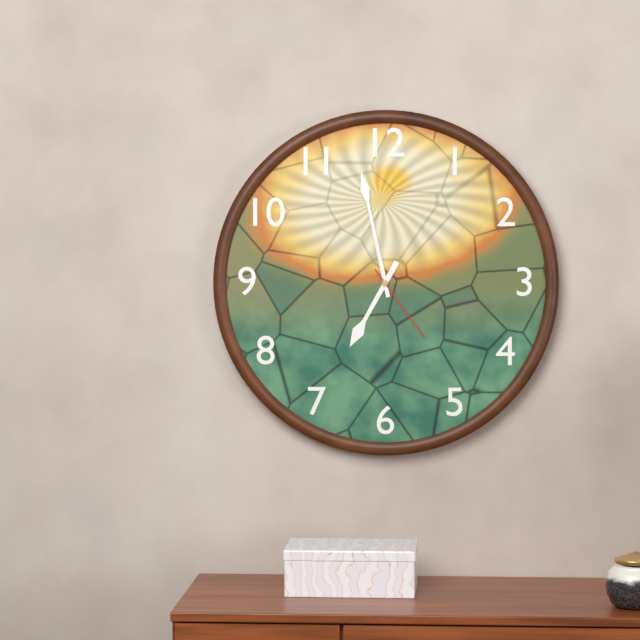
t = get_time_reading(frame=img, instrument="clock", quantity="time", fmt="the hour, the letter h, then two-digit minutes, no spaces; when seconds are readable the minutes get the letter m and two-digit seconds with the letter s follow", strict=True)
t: 6h58m24s
